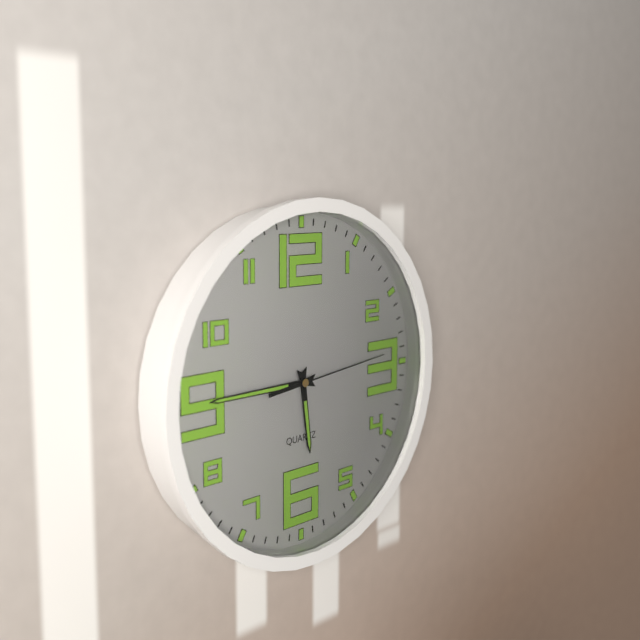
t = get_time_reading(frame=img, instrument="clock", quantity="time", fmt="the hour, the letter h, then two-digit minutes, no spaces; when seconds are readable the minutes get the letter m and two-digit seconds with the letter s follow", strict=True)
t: 5h45m14s
